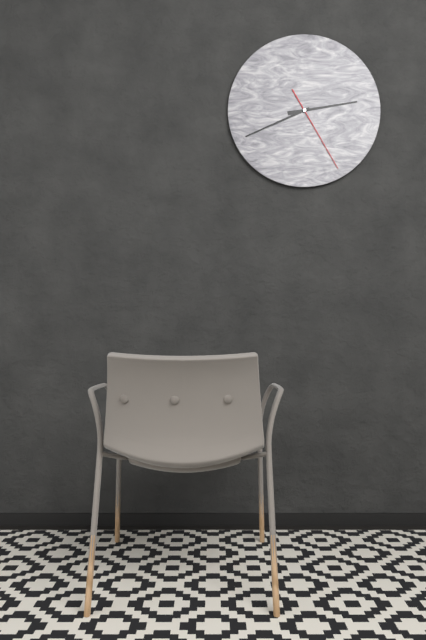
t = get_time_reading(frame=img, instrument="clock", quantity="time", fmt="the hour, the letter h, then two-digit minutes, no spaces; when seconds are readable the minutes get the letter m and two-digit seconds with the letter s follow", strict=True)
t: 2h41m25s
